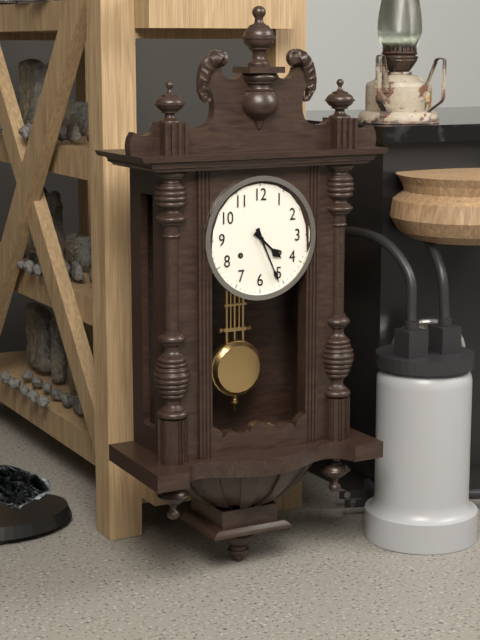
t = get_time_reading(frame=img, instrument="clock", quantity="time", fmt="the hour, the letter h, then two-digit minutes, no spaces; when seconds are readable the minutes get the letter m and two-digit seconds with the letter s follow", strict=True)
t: 4h26
